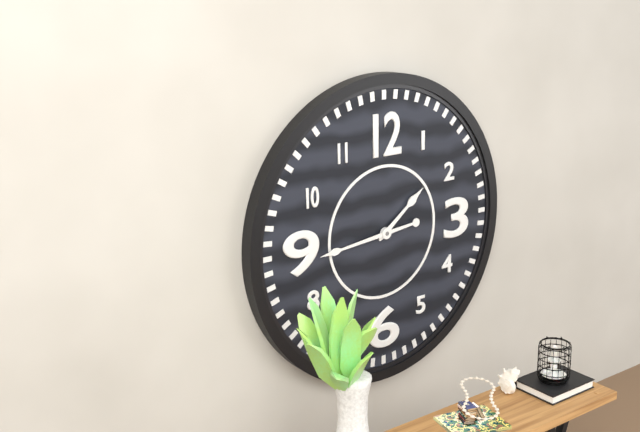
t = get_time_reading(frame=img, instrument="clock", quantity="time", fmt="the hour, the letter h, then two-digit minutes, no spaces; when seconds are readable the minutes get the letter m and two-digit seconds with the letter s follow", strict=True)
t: 1h44
